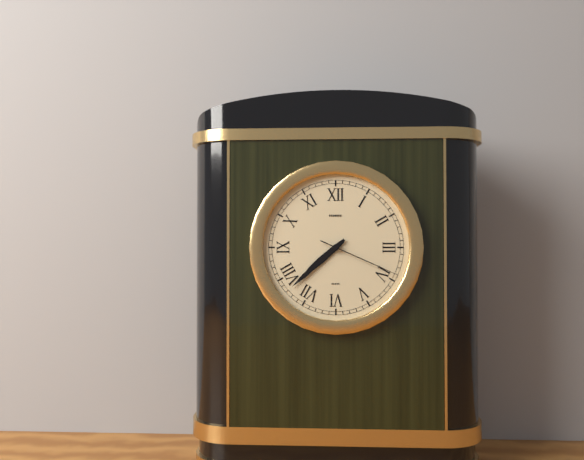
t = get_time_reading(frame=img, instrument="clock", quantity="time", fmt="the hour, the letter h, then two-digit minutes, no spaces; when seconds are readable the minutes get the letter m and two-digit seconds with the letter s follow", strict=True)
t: 7h38m19s
